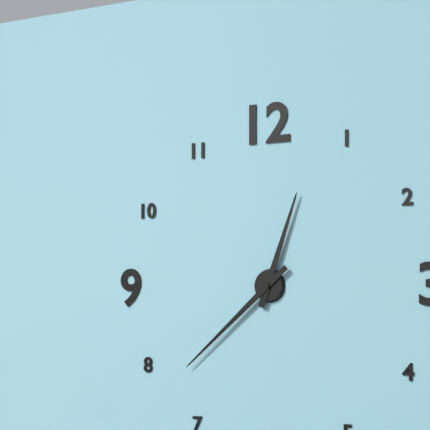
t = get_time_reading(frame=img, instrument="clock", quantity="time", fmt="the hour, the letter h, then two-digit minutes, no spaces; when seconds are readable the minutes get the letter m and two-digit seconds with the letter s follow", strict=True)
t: 12h38
